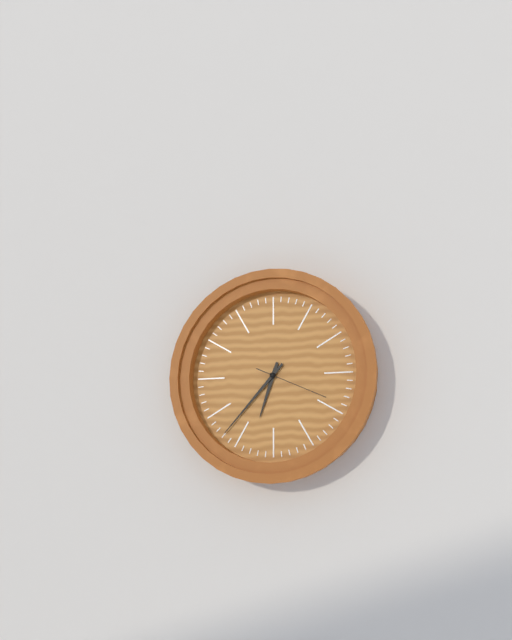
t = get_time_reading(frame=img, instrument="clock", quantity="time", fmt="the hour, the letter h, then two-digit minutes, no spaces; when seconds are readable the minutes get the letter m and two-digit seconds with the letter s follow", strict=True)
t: 6h37m19s
